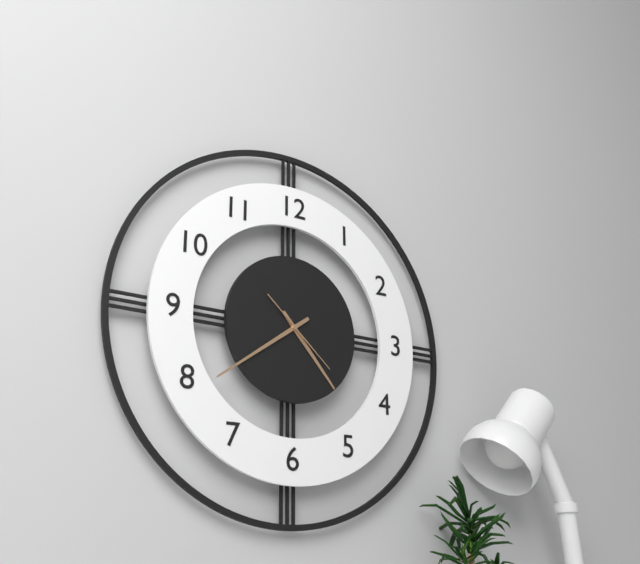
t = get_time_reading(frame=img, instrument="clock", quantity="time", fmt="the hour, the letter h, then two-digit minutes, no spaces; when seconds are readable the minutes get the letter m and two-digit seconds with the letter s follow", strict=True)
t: 4h39m22s
